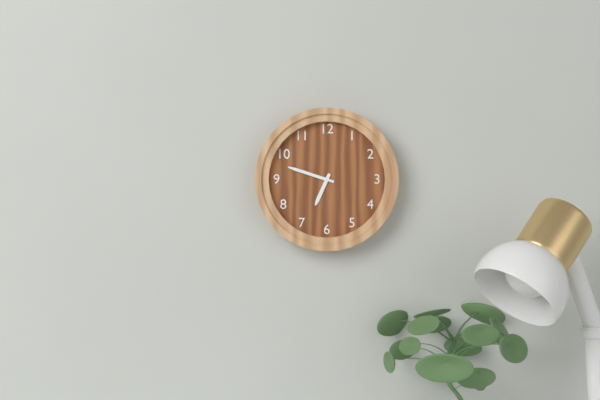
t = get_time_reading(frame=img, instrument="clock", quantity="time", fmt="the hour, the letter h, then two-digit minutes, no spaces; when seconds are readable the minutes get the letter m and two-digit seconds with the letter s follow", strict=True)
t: 6h48
